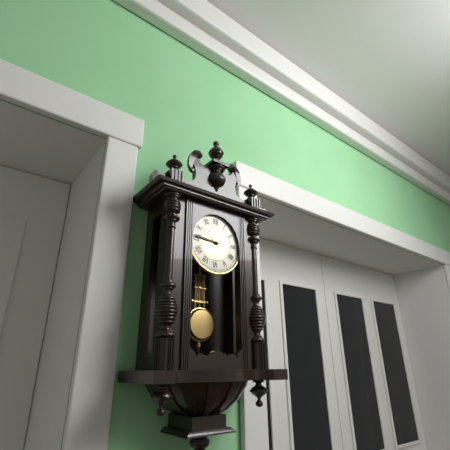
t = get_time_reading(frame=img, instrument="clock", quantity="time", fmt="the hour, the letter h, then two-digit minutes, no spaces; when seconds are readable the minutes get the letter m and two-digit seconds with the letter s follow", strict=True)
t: 10h46
